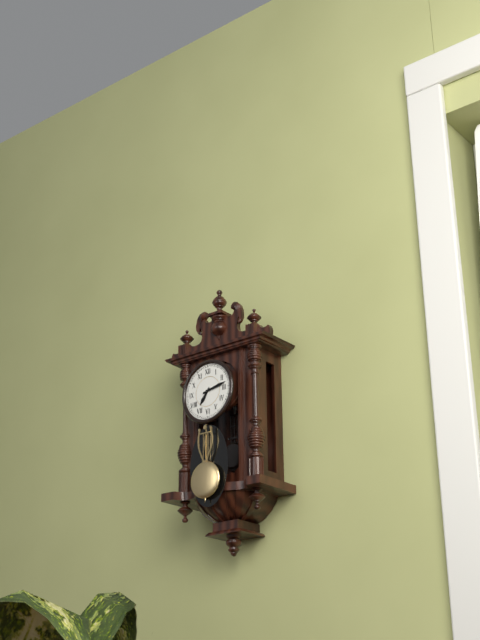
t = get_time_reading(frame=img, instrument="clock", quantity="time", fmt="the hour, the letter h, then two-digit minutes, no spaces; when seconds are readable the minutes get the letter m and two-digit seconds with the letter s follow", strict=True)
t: 7h13
